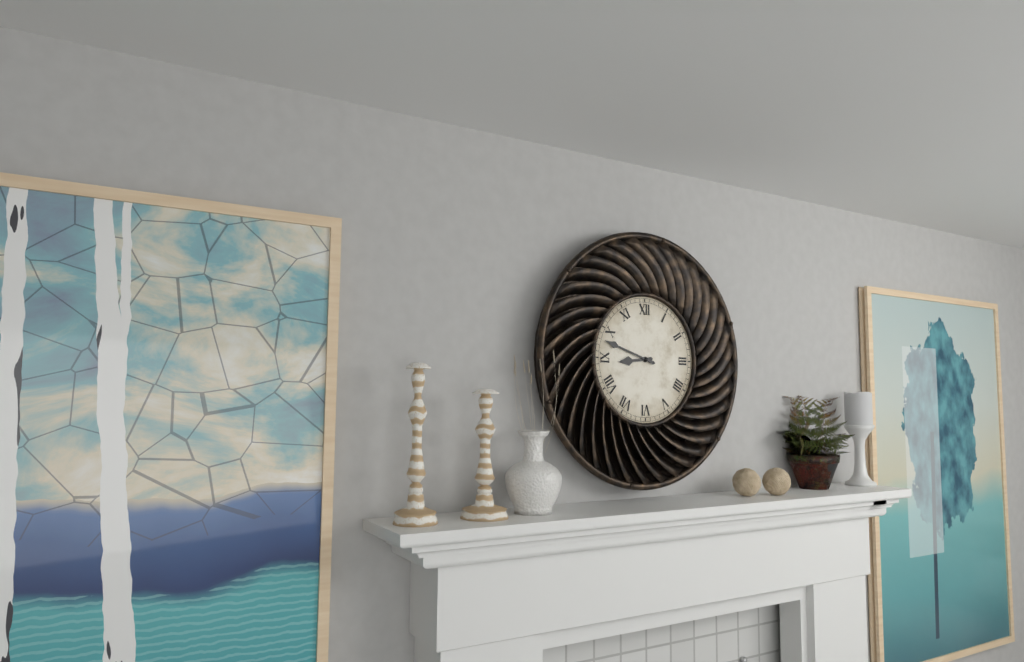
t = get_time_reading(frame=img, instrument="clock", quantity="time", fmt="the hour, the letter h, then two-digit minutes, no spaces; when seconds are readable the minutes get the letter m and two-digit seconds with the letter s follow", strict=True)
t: 8h48
